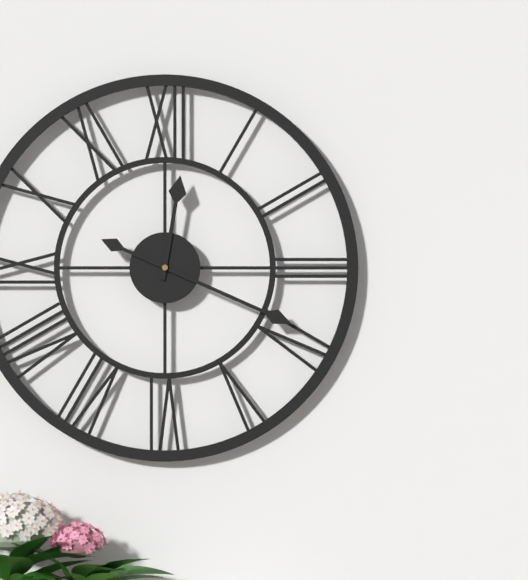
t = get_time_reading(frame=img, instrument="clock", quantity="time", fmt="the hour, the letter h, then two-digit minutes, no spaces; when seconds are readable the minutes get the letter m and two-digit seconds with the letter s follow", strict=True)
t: 12h19
